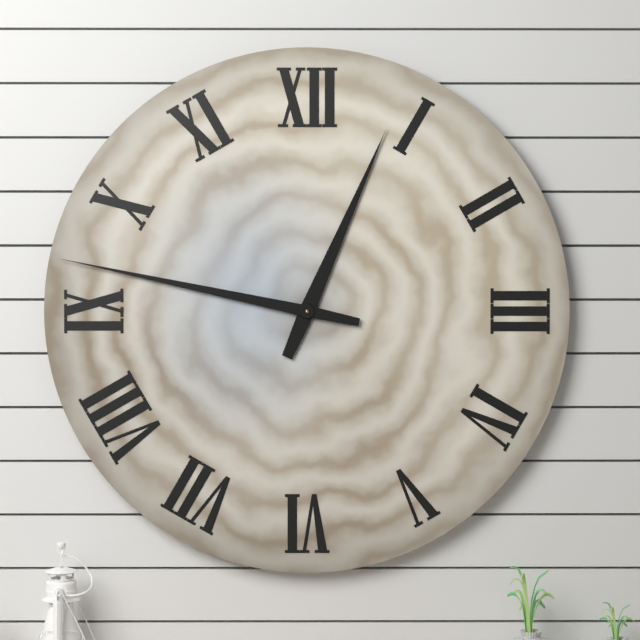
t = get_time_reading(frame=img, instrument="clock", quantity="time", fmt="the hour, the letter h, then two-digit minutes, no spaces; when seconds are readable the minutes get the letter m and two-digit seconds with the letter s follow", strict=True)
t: 12h47
